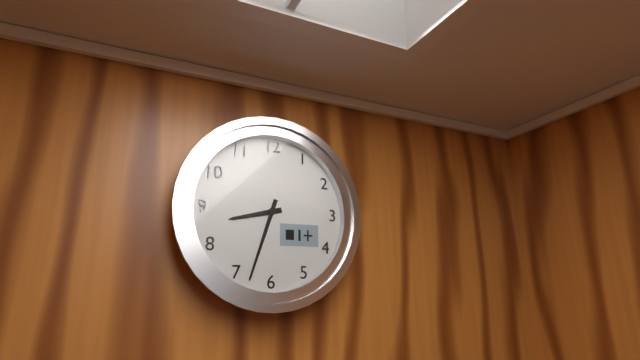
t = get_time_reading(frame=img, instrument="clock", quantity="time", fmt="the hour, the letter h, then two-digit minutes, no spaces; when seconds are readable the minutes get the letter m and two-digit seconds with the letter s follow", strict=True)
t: 8h33
